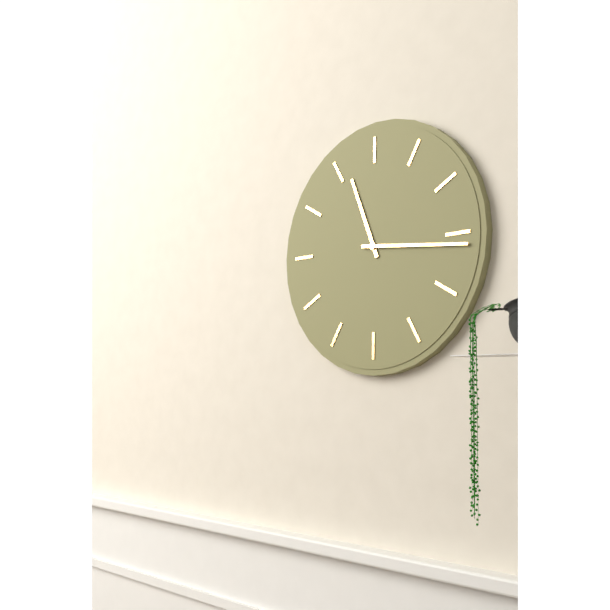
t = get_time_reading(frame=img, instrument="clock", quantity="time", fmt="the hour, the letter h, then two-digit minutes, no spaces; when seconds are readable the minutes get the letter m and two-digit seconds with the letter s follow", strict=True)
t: 11h16
